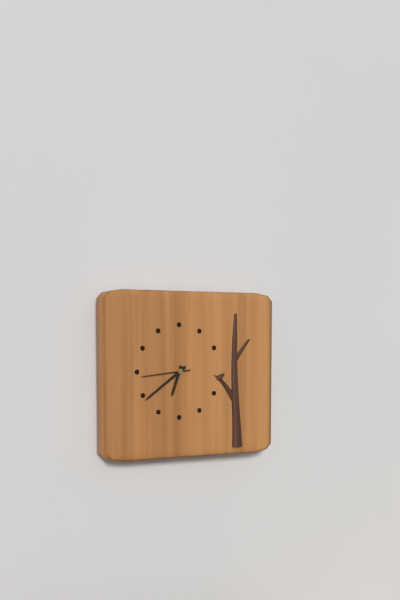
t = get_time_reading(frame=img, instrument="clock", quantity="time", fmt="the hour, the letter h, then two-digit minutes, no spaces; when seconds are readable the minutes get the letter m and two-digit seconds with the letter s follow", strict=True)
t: 6h39m44s
